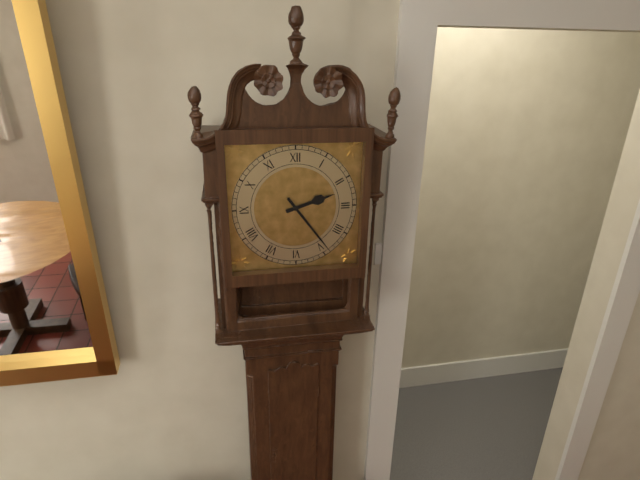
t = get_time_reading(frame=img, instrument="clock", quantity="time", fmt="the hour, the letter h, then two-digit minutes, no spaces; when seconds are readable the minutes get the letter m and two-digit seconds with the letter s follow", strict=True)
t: 2h24
